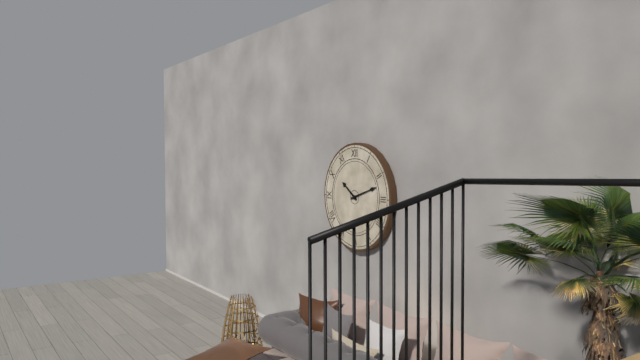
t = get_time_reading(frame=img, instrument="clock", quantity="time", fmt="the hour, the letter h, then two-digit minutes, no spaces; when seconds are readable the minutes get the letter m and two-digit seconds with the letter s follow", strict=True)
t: 10h12
